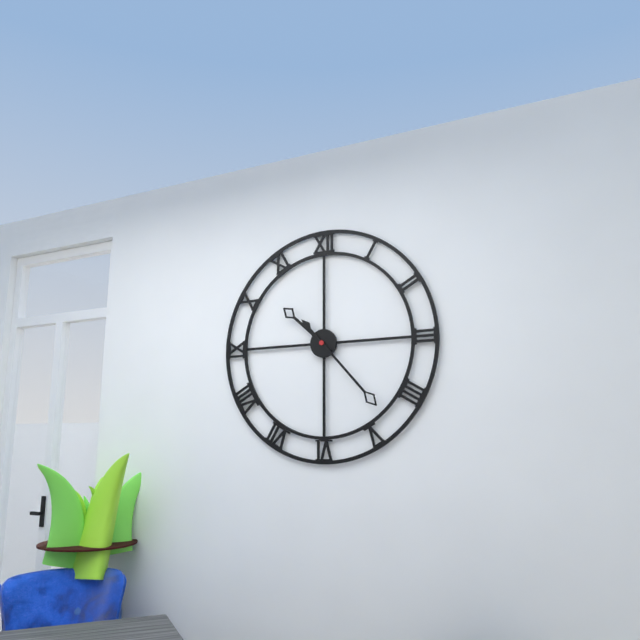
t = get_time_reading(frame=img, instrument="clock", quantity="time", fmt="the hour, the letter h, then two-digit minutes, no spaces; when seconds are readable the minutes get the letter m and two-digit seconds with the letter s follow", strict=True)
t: 10h23
